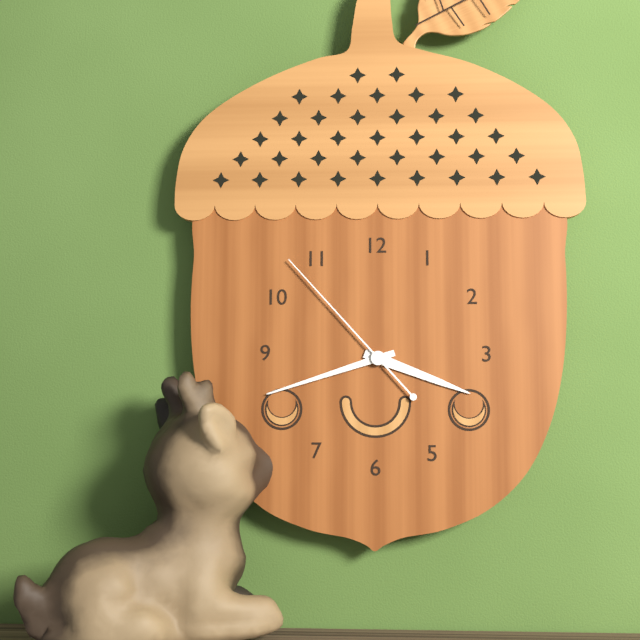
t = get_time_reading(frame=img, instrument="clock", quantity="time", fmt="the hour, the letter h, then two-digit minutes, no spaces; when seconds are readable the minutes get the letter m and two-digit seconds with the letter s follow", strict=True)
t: 3h42m53s
